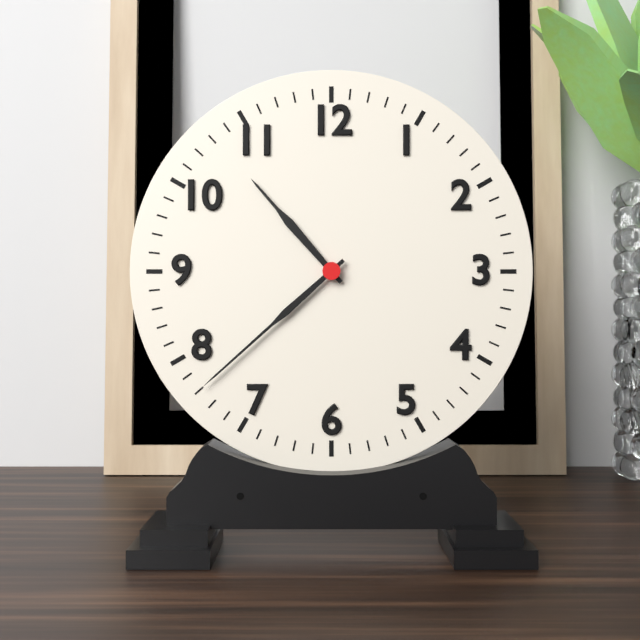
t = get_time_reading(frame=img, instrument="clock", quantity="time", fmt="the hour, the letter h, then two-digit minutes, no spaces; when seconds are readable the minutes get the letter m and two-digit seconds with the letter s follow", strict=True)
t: 10h38
